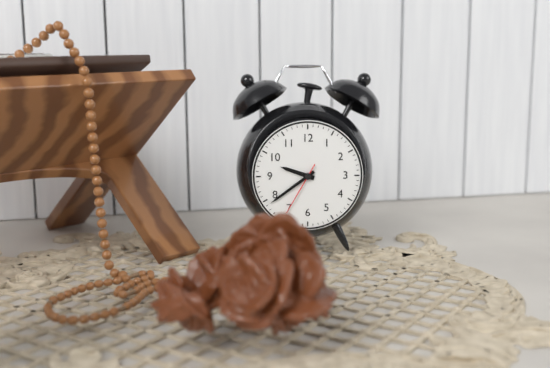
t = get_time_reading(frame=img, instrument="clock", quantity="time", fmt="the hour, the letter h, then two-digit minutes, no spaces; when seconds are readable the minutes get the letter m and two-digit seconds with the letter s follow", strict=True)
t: 9h39m35s
